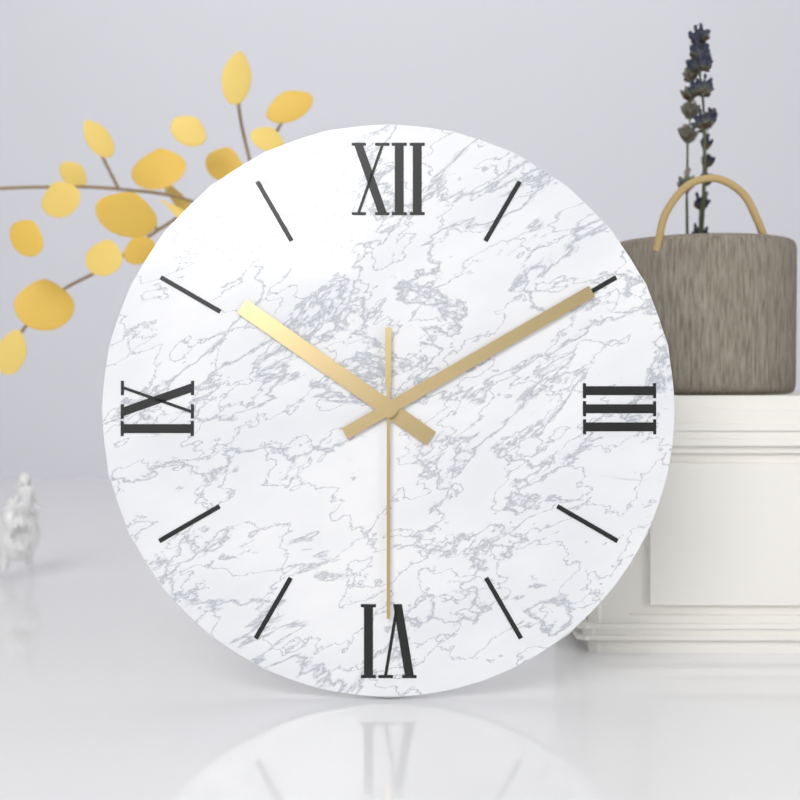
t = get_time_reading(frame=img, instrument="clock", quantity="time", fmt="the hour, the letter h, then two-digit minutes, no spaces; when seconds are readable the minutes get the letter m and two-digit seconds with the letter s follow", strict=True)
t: 10h10m30s
